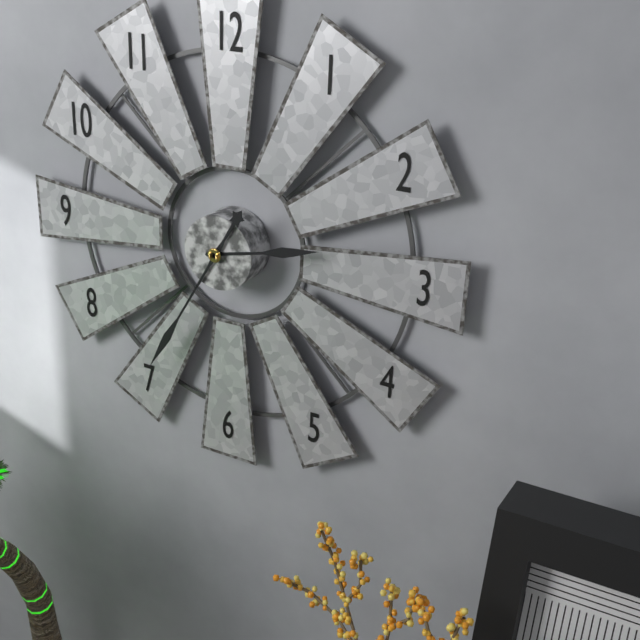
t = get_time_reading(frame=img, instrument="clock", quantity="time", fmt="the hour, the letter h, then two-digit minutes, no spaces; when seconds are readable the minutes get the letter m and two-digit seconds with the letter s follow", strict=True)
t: 2h35
